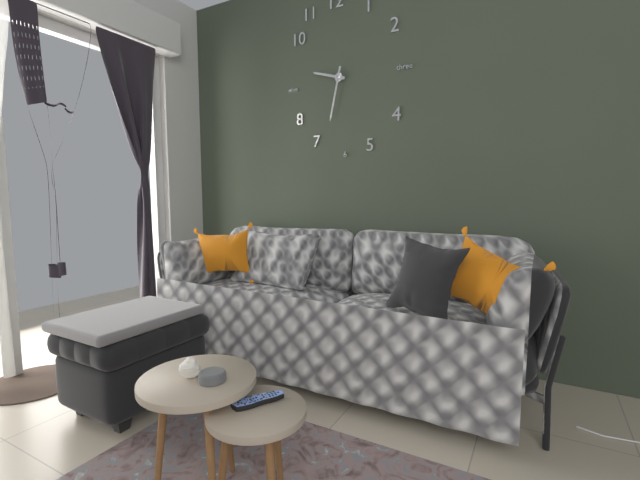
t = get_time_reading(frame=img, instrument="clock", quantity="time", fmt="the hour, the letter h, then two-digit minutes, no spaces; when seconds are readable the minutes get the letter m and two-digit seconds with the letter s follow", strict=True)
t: 9h32
